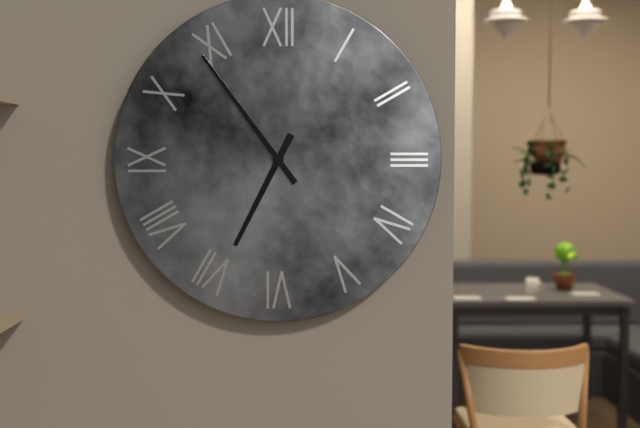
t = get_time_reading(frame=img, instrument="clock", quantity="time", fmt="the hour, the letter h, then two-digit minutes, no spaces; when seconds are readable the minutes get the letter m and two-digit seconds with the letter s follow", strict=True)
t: 6h54
